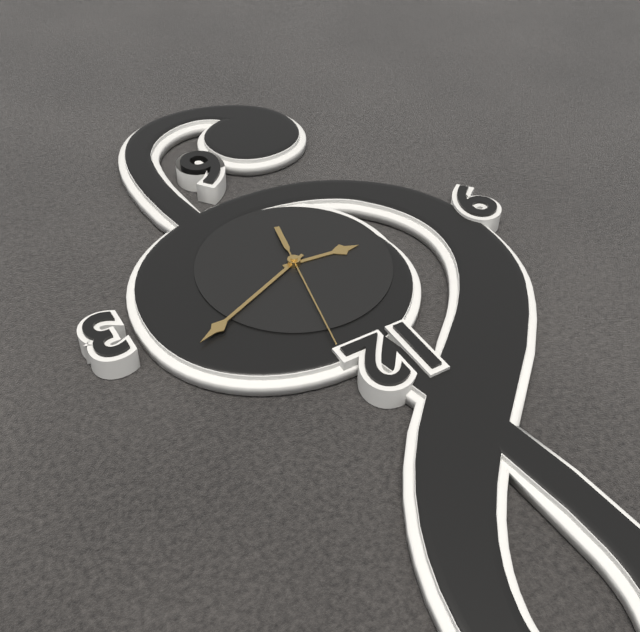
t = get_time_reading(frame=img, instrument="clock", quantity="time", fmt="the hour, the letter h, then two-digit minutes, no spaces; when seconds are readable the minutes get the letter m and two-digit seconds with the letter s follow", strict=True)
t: 9h11m02s
